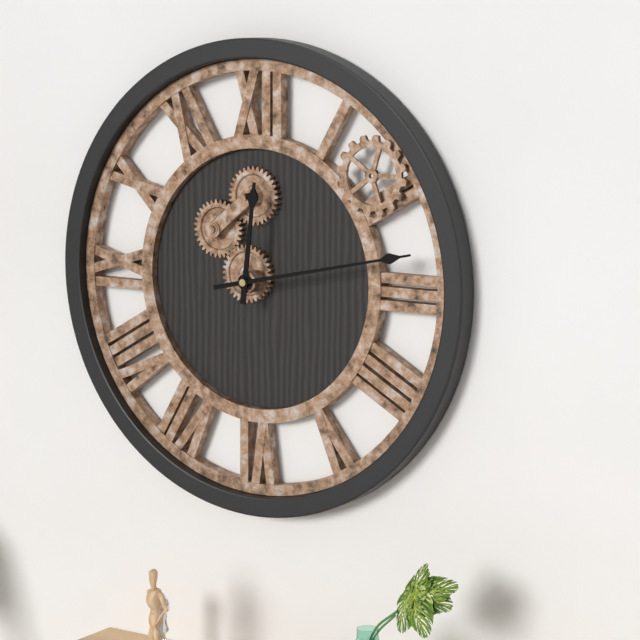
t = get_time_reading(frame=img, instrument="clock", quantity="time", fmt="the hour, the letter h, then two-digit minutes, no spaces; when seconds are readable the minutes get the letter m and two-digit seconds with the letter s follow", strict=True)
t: 12h13
